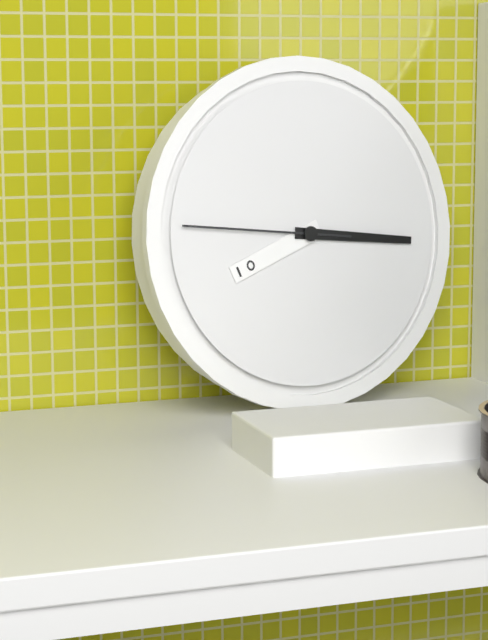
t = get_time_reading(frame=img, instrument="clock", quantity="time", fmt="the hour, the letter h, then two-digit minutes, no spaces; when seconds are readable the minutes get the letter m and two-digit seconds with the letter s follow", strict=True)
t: 8h16m46s
